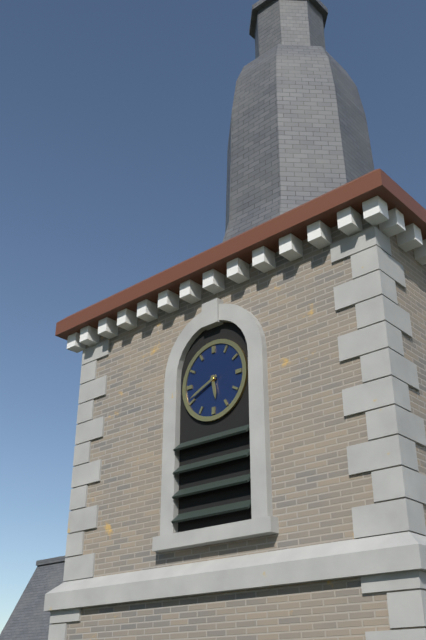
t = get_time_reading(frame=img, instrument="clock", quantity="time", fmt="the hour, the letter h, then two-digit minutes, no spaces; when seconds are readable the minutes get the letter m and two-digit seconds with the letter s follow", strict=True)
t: 5h41
